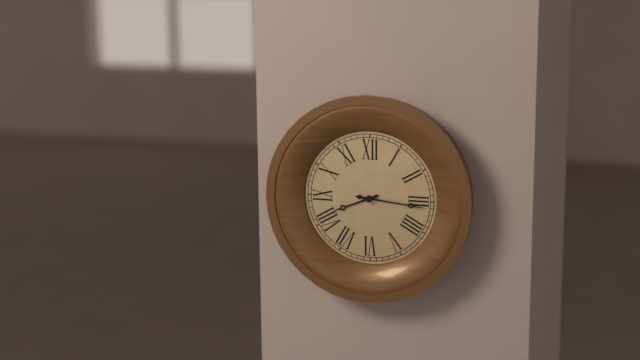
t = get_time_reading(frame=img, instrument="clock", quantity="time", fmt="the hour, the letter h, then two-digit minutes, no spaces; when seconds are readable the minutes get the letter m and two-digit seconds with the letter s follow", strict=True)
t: 8h16
